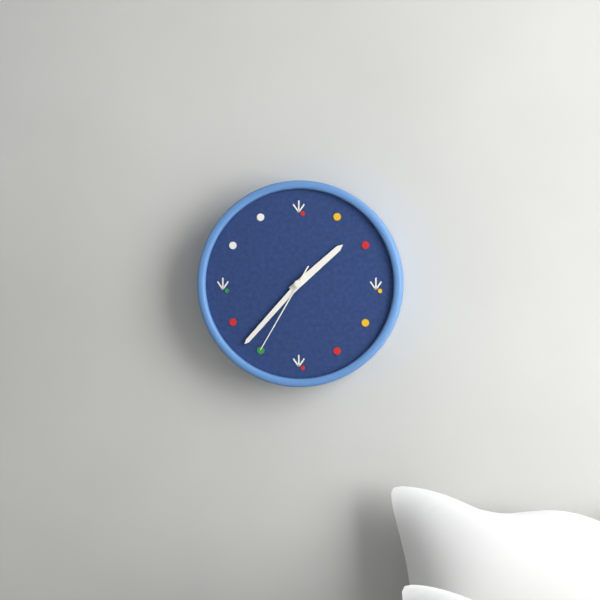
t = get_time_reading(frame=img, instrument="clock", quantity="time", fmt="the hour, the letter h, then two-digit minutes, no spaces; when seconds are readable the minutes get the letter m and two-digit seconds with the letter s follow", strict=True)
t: 1h37m35s
